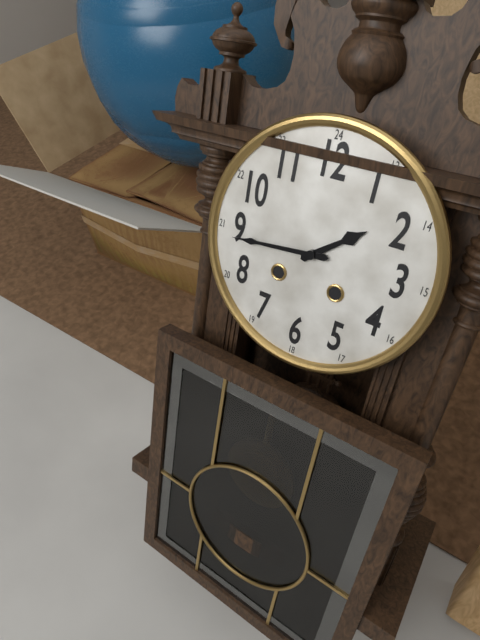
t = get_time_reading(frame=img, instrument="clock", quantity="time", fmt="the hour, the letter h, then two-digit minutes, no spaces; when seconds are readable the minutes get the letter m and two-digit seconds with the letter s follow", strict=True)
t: 1h44
